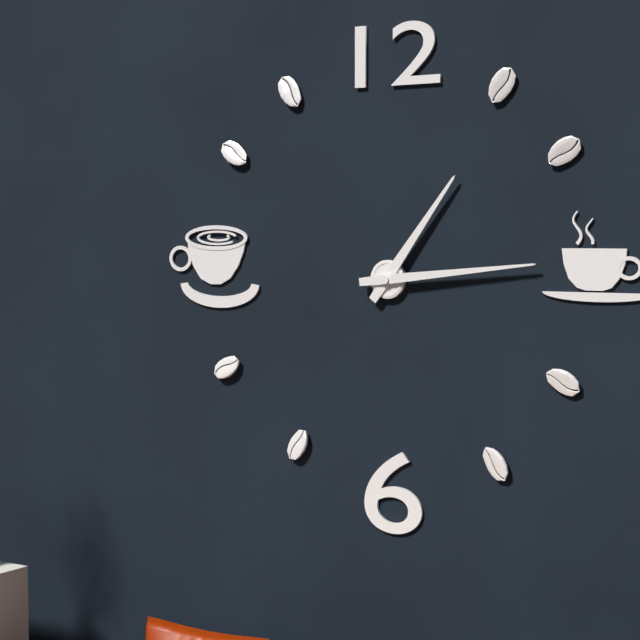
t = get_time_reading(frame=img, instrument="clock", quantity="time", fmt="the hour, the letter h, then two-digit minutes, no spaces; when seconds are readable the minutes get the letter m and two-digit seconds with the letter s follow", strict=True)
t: 1h14
